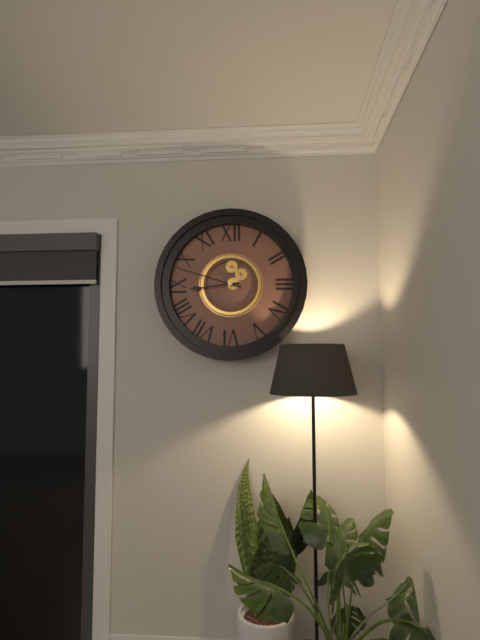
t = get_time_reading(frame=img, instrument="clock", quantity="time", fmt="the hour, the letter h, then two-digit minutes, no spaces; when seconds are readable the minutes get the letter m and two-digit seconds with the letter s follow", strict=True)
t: 8h48
